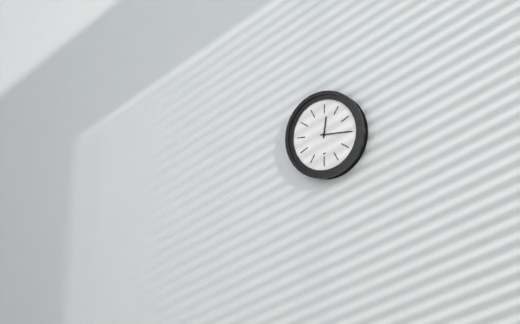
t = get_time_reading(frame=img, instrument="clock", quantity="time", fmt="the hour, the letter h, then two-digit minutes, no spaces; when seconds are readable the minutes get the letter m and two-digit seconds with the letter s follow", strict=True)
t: 12h15
